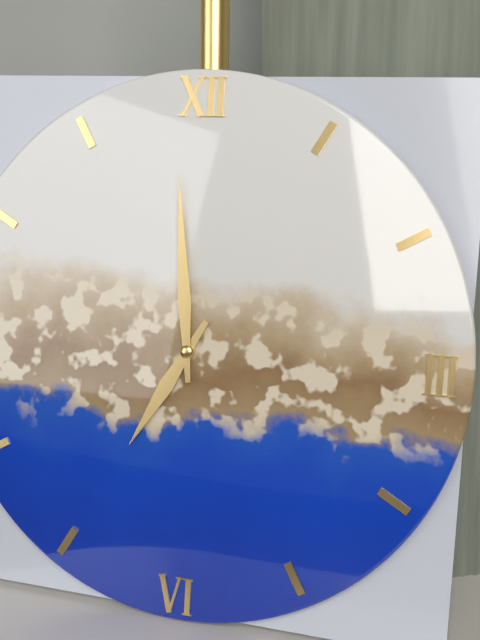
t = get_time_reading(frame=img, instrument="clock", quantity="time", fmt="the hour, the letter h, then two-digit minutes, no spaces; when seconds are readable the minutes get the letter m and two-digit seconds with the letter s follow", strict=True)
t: 6h59
